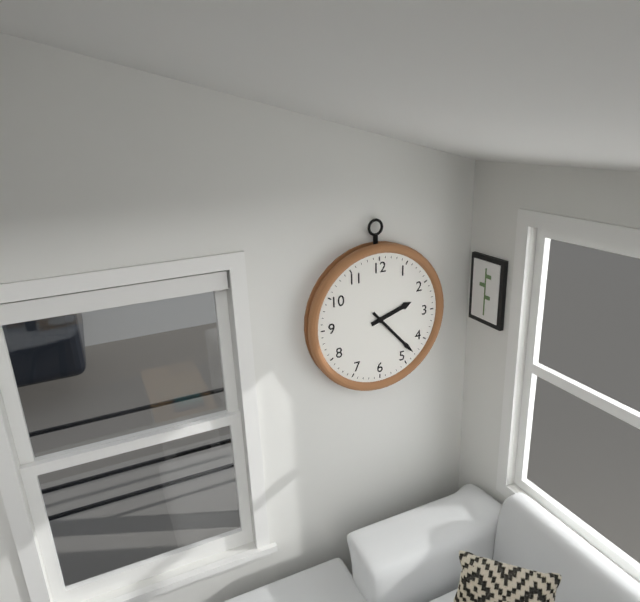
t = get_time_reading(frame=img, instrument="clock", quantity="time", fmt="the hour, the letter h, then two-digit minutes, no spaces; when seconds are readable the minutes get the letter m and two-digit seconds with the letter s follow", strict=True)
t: 2h23
